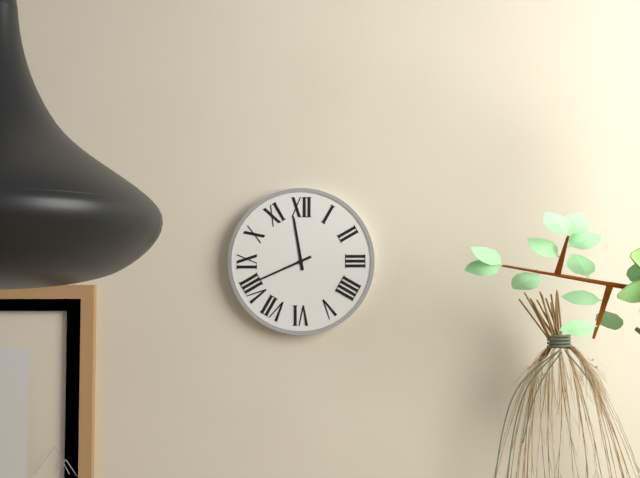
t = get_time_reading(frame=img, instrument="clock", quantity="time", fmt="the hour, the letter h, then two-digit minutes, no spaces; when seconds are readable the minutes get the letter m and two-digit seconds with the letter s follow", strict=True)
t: 11h41
